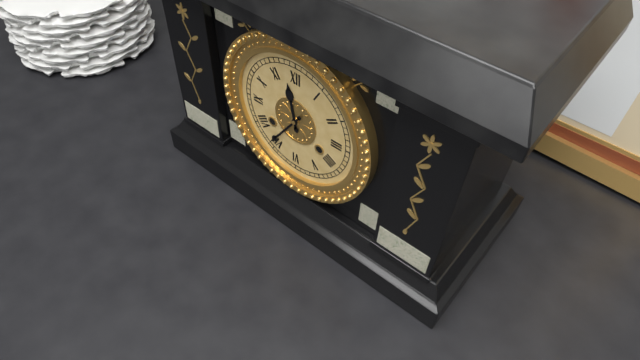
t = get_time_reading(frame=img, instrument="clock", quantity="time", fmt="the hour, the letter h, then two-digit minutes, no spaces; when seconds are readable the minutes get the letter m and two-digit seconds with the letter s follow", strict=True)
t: 11h36
